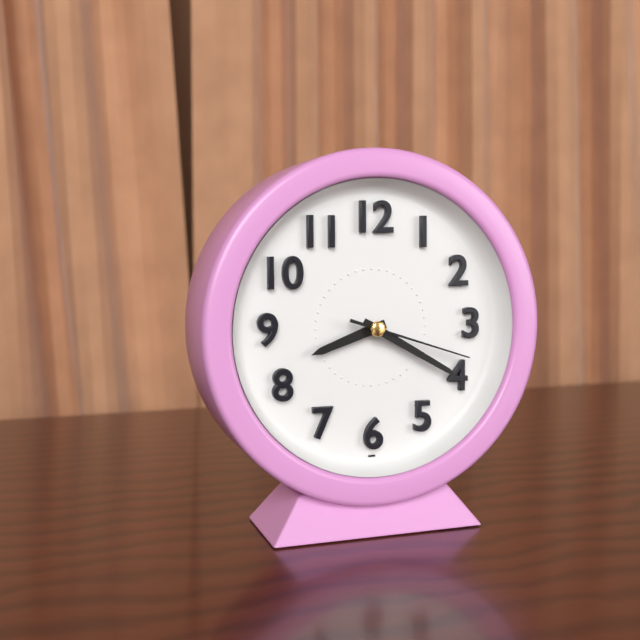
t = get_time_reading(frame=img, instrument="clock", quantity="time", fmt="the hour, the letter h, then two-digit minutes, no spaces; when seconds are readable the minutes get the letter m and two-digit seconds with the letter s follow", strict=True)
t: 8h20m18s
